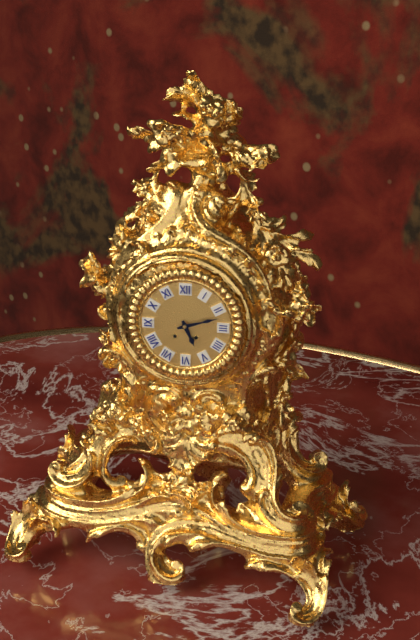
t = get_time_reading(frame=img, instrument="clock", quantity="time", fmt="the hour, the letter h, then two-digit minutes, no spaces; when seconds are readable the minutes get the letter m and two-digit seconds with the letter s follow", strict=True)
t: 5h12
